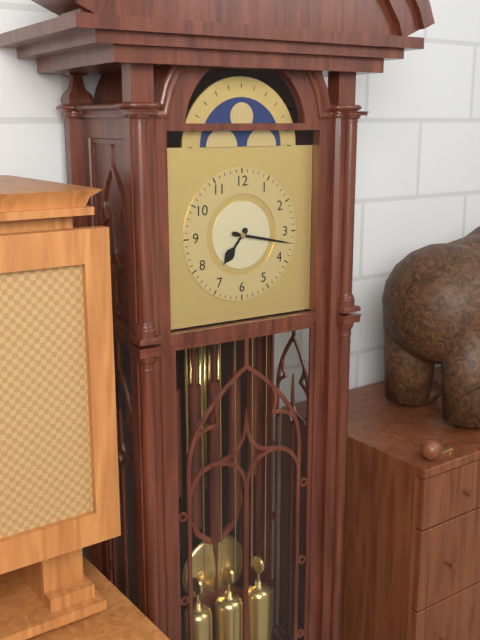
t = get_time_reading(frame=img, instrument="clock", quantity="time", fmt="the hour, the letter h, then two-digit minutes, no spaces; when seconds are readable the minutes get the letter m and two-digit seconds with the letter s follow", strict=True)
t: 7h17
